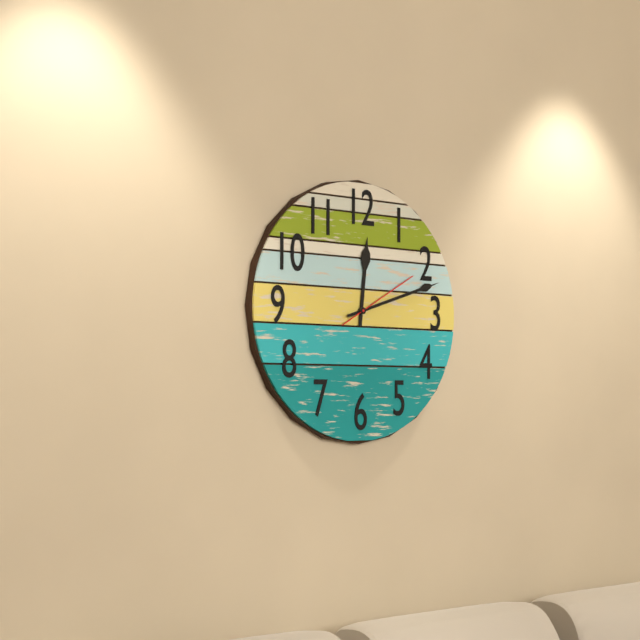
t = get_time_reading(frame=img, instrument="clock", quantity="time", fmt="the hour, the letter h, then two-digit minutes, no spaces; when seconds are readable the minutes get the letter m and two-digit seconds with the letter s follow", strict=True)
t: 12h12m10s
